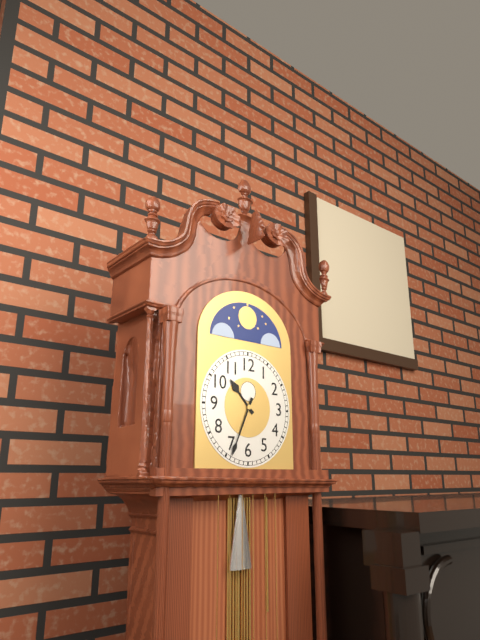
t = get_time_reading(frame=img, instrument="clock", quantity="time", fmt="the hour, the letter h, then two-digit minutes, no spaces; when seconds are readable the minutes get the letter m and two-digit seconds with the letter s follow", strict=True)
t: 10h34
